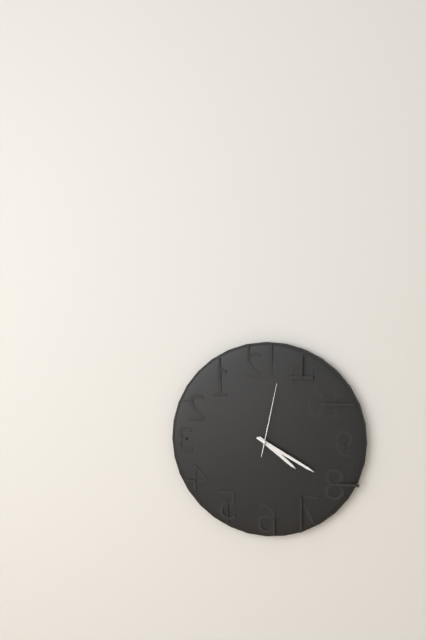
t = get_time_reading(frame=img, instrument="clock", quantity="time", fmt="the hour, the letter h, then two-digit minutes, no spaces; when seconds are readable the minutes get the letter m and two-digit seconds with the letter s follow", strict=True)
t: 4h20m02s
